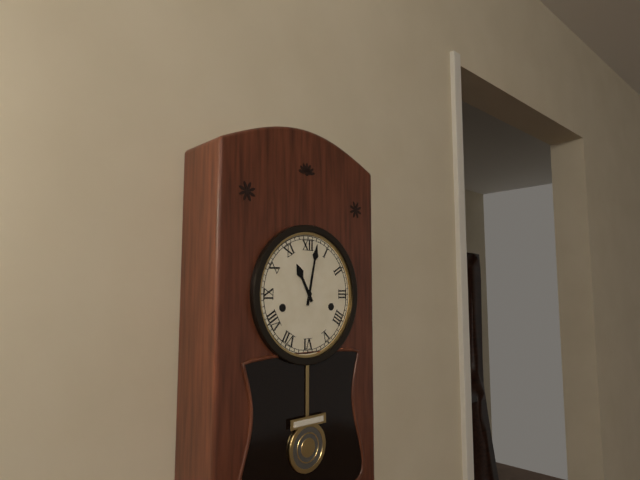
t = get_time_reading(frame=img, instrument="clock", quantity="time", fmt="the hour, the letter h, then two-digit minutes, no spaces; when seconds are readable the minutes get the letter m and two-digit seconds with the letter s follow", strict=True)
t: 11h02
